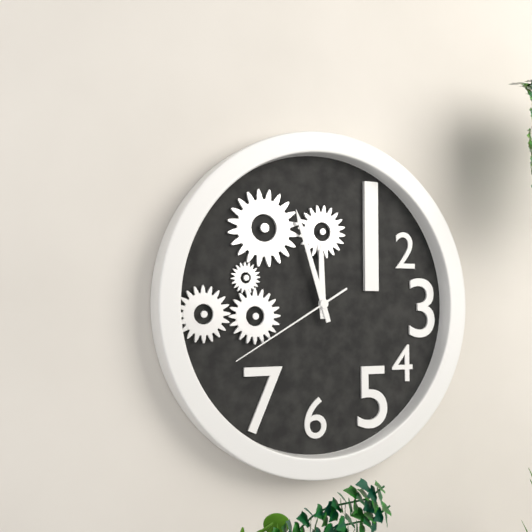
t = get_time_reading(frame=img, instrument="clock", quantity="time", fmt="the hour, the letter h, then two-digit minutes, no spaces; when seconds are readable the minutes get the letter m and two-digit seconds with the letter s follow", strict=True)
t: 11h57m40s
